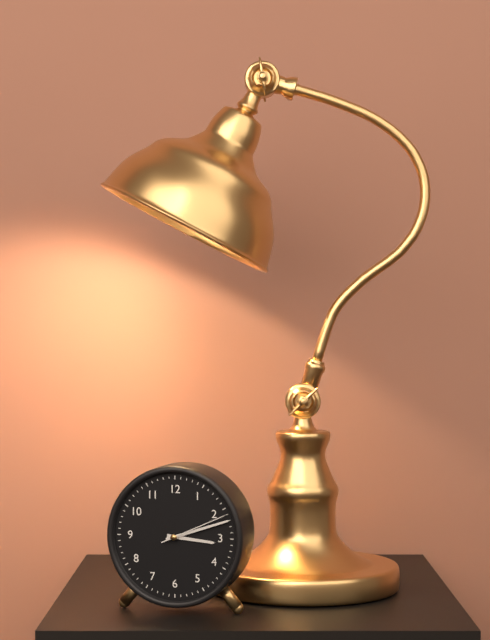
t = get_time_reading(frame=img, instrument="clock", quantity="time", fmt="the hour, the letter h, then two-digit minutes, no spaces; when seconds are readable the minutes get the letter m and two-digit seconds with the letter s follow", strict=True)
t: 3h12m11s
